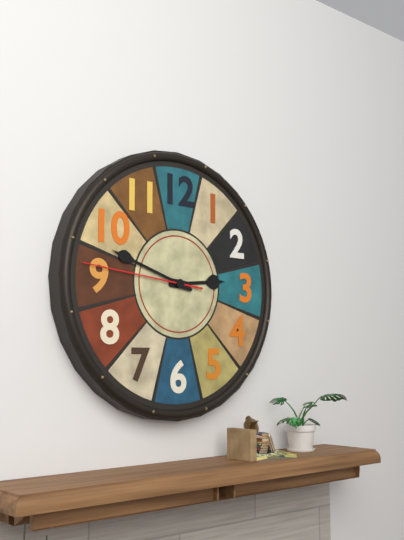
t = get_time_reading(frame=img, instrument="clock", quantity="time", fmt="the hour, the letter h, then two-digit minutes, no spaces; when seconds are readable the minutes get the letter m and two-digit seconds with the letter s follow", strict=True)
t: 2h48m46s
